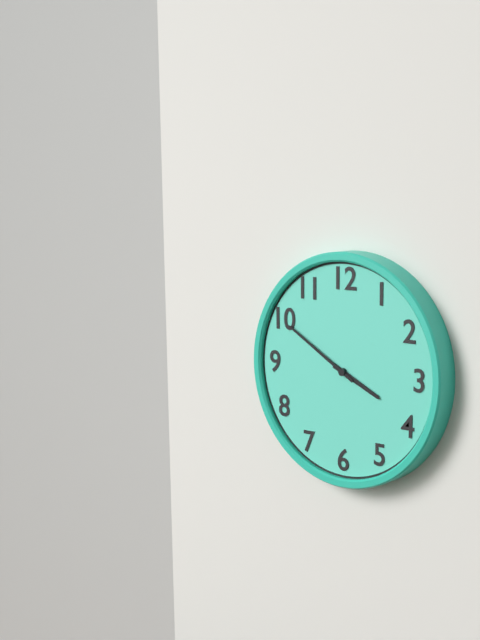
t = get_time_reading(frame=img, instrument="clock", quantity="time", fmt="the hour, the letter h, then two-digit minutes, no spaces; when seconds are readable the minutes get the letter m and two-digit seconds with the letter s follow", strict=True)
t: 3h50
